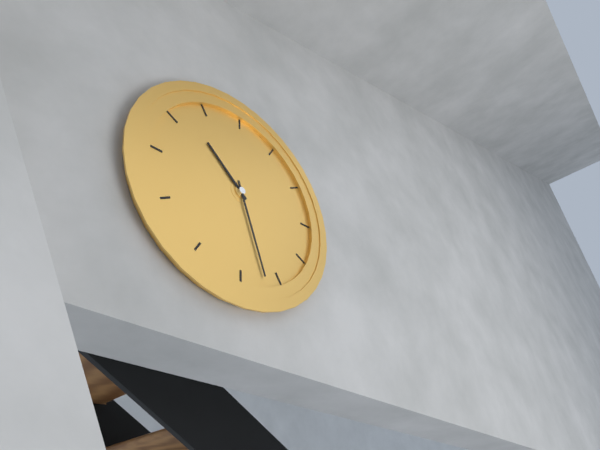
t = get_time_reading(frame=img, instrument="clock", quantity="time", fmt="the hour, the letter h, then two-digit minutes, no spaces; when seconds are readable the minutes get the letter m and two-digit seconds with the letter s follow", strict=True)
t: 10h27
